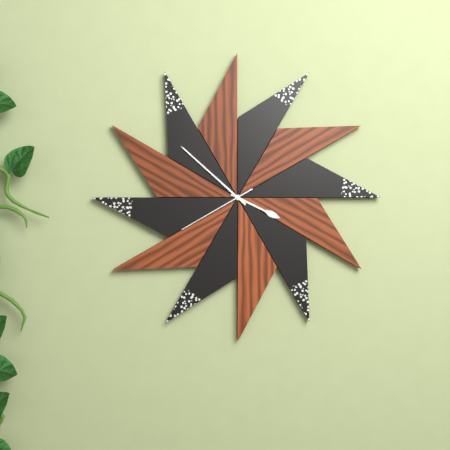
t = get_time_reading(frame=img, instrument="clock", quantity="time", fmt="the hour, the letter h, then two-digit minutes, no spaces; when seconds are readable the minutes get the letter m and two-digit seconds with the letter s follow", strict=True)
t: 3h52m40s
